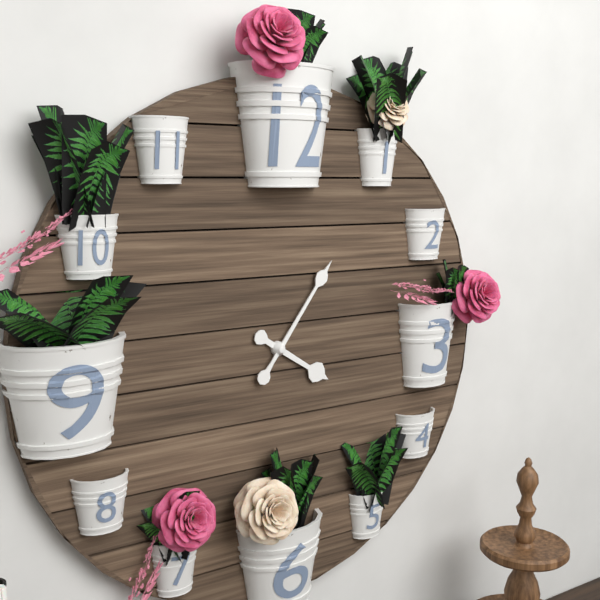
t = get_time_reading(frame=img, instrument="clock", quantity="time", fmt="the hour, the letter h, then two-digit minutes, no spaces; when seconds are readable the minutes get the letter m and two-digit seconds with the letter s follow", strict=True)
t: 4h06
